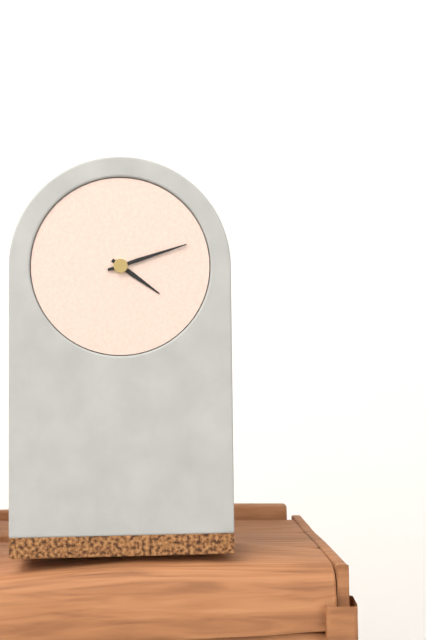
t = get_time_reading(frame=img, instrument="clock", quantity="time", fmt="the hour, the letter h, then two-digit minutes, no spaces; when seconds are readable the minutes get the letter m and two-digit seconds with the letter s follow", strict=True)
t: 4h12
